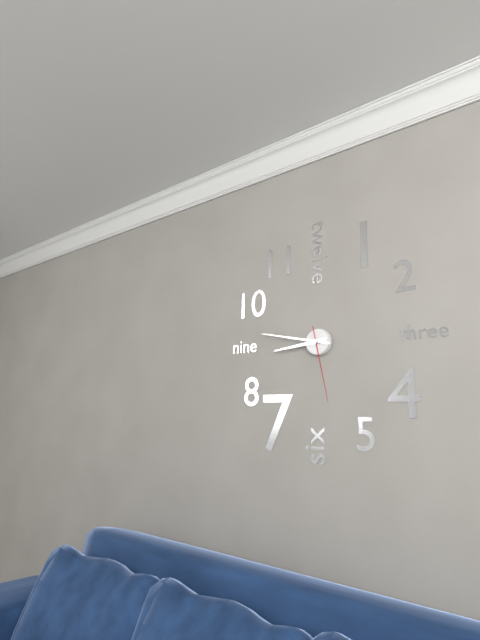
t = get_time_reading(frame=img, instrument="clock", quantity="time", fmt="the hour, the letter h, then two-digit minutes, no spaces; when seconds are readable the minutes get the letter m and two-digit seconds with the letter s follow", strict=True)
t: 8h47m28s
